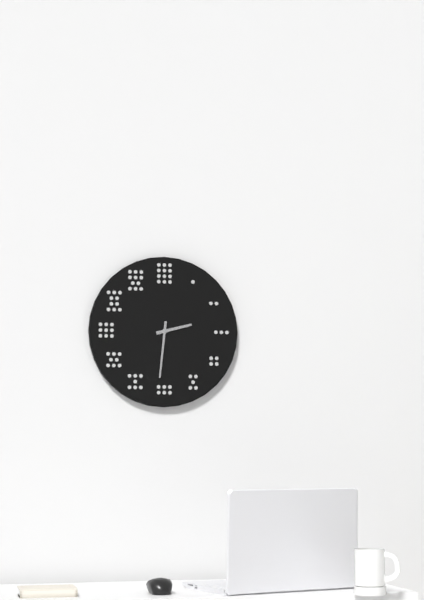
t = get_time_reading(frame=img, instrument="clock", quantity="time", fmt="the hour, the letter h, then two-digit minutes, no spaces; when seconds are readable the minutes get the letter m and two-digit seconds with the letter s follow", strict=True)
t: 2h31
